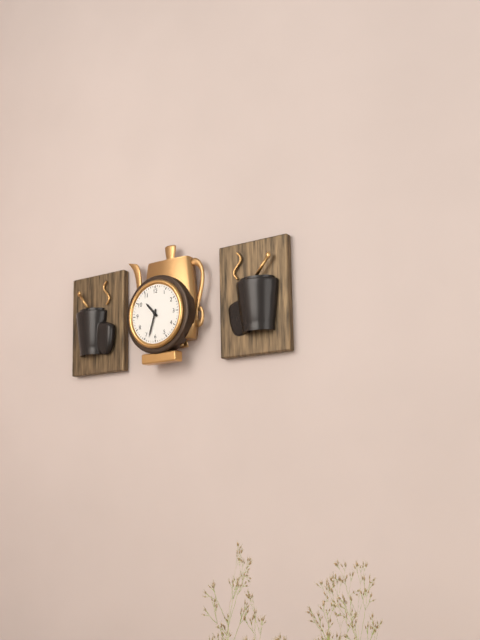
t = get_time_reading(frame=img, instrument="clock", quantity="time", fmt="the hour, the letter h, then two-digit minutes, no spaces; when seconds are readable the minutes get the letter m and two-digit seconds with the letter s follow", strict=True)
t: 10h33
